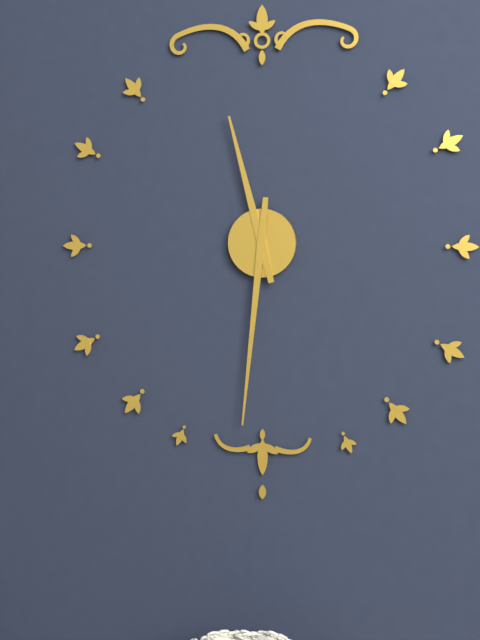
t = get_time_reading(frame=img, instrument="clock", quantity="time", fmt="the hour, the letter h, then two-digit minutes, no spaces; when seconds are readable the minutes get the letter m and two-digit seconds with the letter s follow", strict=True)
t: 11h31
